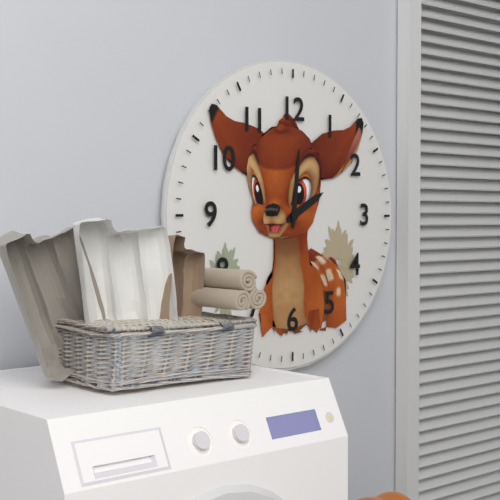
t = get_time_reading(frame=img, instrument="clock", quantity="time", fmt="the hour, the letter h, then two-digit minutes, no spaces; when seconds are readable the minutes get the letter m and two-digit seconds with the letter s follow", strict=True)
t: 2h01
